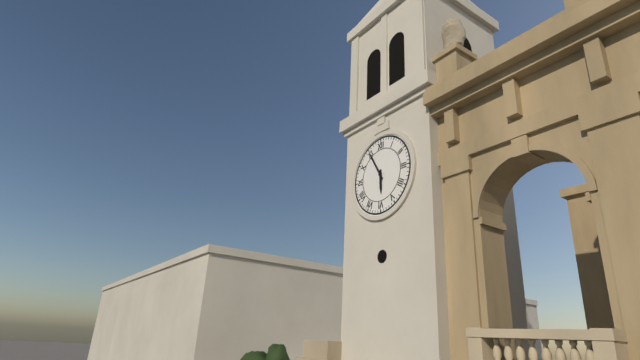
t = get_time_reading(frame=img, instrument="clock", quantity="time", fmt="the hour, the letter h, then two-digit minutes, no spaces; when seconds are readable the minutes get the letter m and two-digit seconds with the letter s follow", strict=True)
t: 5h55
